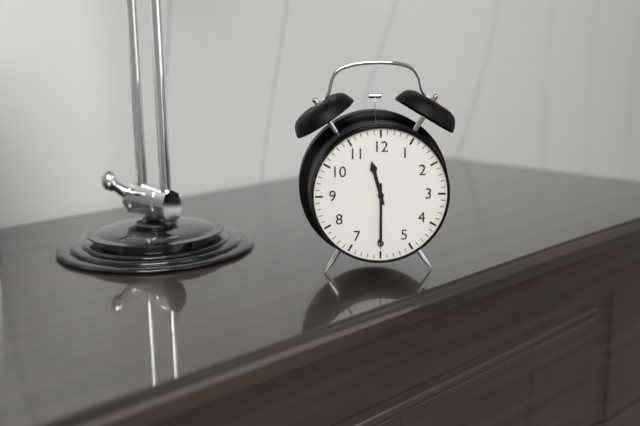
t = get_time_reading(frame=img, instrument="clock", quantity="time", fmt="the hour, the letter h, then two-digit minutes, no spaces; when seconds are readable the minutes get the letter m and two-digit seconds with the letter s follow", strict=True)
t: 11h30
